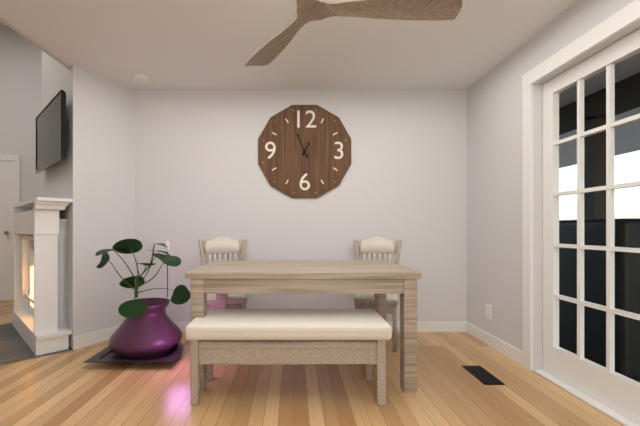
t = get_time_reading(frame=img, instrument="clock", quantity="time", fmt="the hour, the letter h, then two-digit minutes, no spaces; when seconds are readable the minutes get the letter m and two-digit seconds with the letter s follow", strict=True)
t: 12h56
